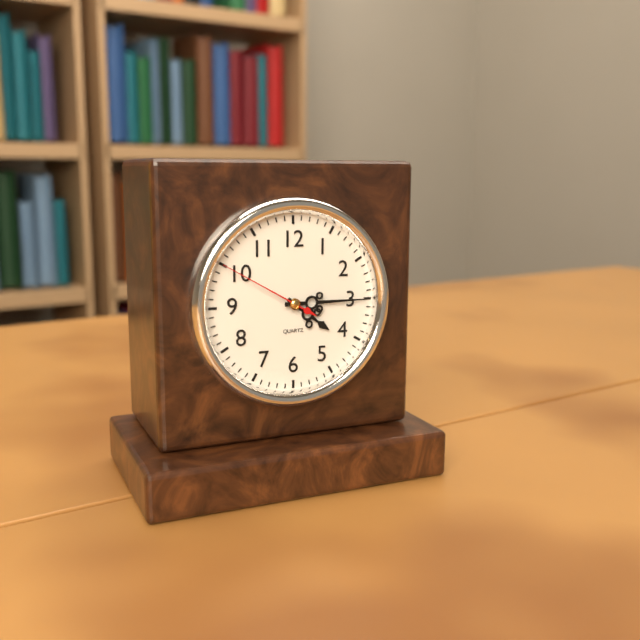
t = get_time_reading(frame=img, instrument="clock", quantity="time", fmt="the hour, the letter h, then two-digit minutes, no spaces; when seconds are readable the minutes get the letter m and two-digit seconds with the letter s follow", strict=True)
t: 4h15m50s
